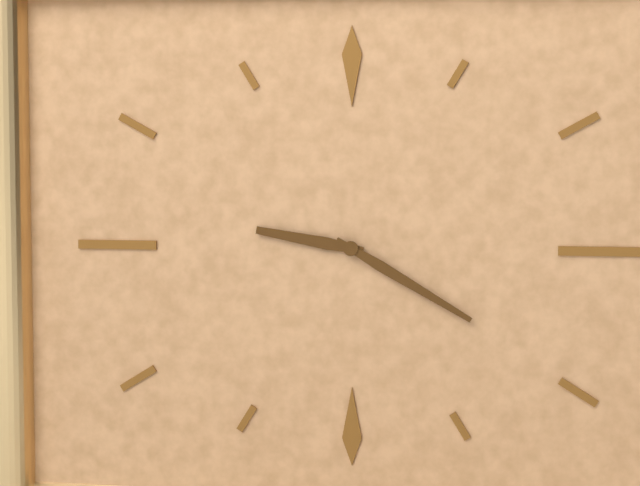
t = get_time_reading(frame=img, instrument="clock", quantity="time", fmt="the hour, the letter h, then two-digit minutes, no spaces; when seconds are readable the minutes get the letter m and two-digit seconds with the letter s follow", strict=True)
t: 9h20
